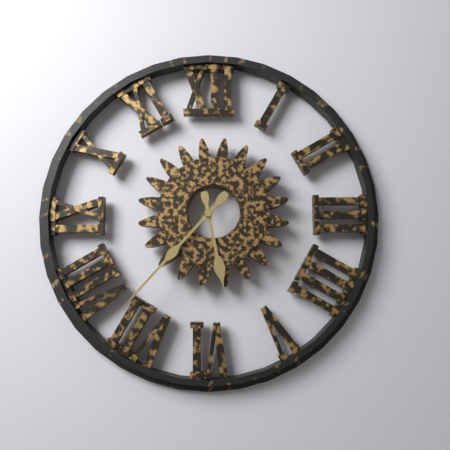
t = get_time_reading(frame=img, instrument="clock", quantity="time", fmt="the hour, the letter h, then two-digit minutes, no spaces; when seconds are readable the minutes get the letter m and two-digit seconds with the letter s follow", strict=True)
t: 5h37
